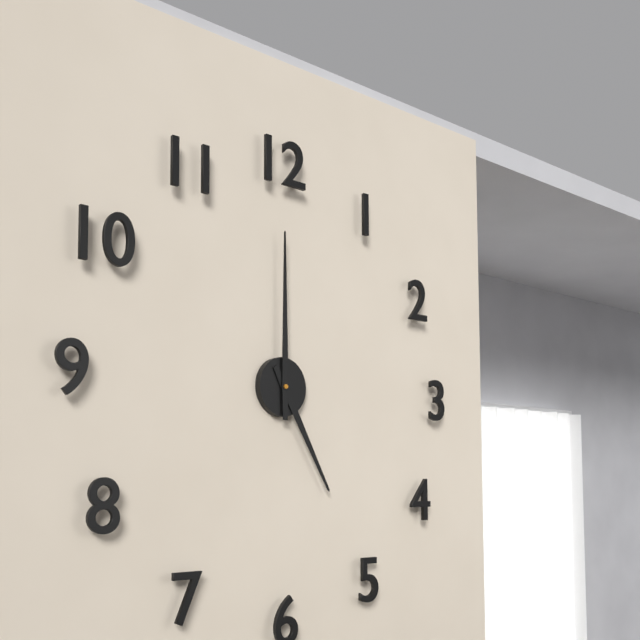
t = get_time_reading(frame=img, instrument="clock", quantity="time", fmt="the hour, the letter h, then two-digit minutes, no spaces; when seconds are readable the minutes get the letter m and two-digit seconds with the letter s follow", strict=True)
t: 5h00
